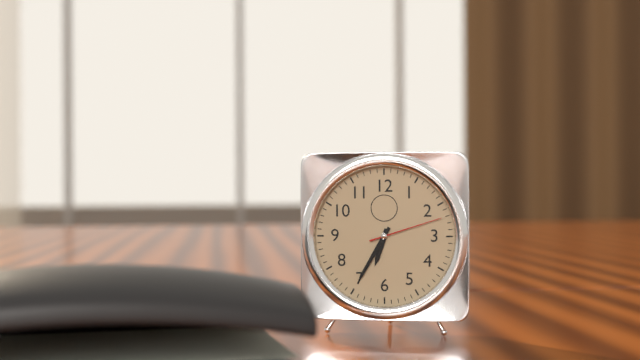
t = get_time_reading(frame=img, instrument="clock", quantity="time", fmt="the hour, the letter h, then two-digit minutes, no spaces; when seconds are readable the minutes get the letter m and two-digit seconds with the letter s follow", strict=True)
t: 6h35m12s
